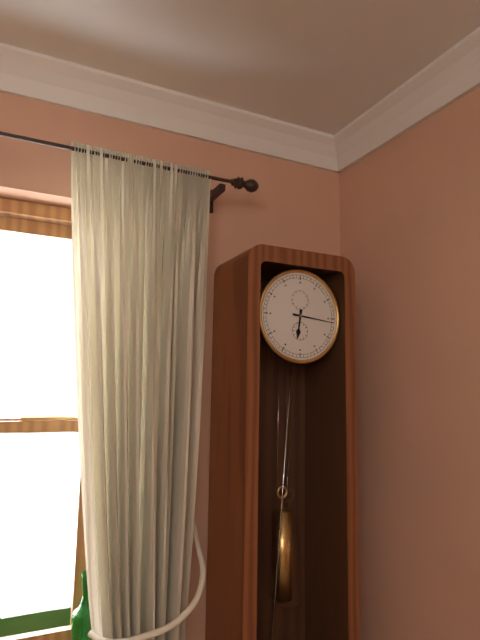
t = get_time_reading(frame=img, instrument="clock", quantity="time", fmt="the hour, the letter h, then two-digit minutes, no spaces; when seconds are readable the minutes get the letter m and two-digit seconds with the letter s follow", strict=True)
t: 6h16
